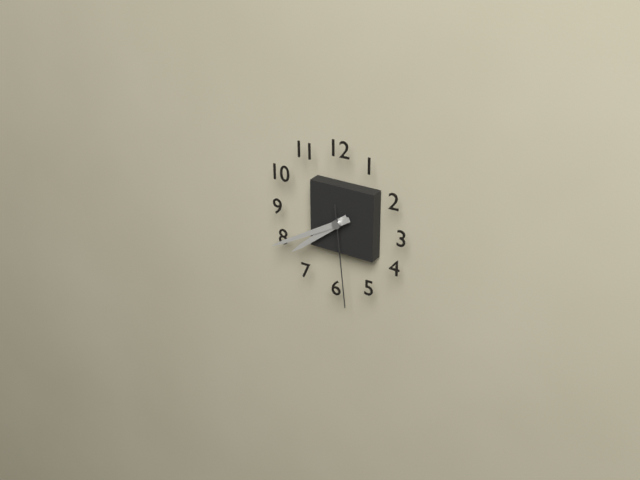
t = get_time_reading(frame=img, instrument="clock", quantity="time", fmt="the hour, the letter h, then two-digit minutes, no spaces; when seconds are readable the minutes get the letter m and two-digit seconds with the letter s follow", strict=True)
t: 7h40m29s
